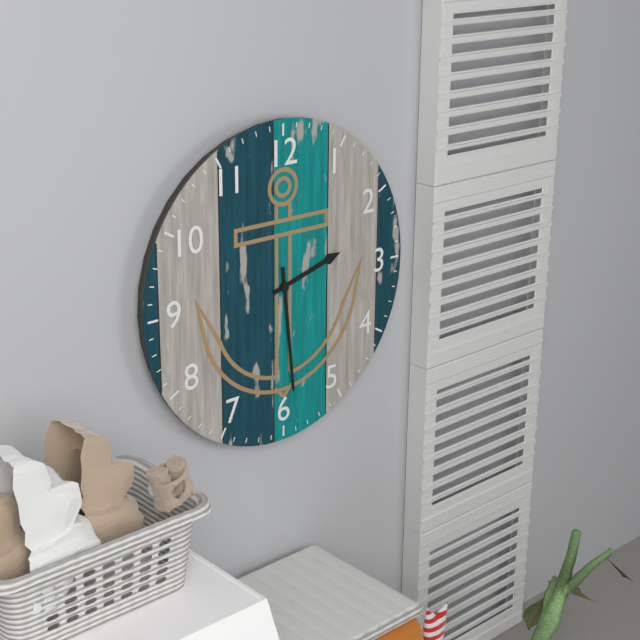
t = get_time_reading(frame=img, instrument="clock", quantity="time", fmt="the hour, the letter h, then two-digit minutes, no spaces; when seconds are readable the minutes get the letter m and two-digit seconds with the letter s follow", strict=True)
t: 2h29
